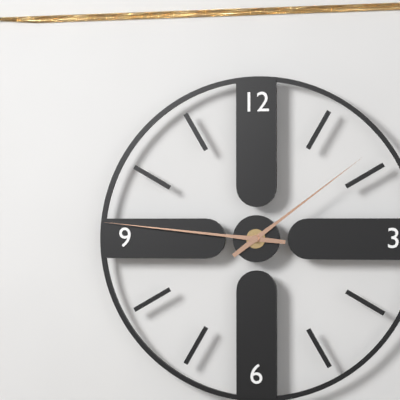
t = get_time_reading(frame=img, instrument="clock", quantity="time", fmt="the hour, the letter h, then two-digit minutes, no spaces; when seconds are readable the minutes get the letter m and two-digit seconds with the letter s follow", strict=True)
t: 1h46
